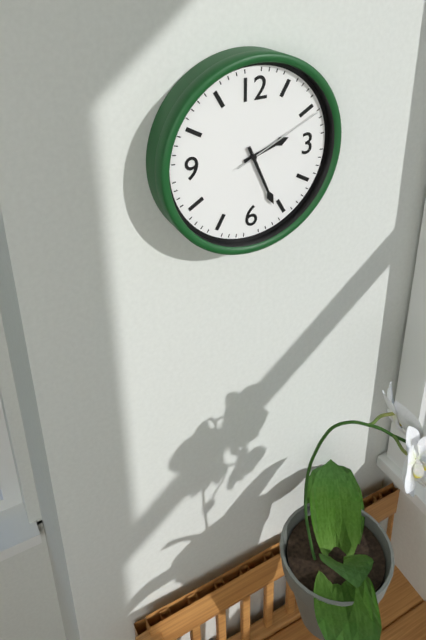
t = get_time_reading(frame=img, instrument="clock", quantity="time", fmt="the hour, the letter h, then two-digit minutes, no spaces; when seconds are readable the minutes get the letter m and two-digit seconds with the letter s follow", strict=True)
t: 2h26m11s
